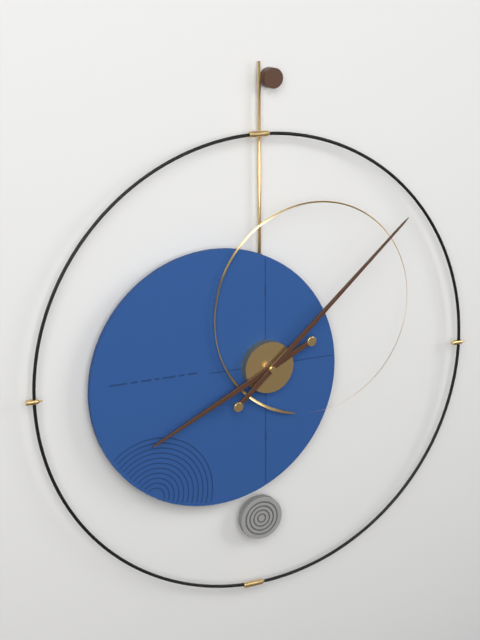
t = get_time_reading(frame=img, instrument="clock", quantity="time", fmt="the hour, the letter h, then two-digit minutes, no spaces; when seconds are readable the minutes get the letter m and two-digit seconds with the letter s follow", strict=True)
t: 8h08
